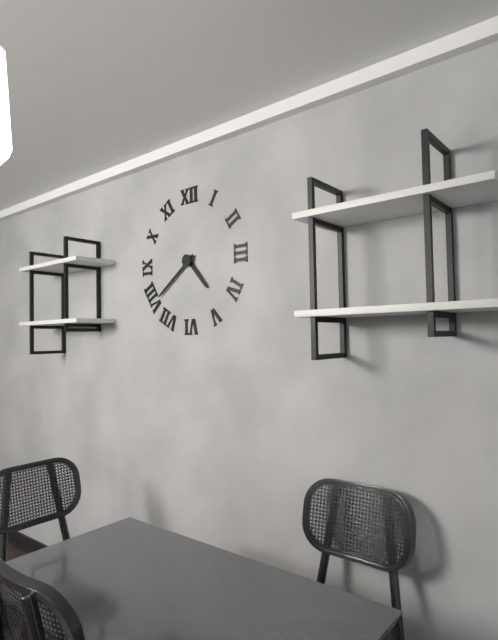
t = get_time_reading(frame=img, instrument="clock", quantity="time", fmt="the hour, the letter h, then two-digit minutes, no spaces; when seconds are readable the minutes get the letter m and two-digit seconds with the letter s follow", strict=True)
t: 4h39
